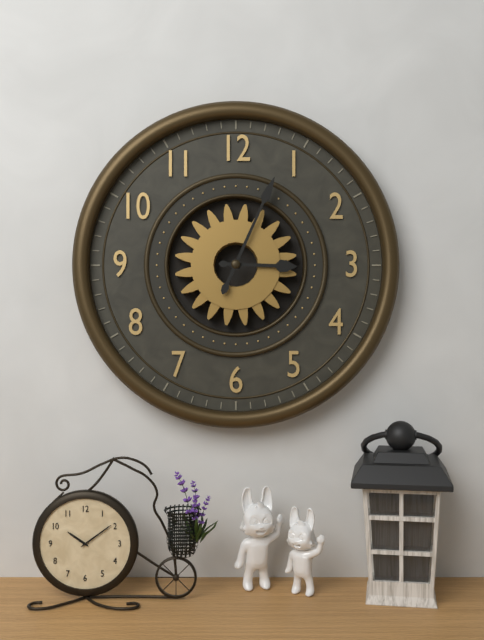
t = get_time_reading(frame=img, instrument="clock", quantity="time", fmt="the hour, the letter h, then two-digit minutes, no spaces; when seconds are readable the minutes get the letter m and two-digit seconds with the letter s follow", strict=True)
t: 3h04
